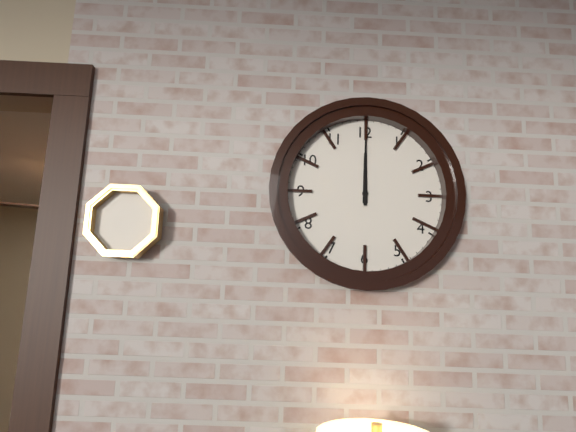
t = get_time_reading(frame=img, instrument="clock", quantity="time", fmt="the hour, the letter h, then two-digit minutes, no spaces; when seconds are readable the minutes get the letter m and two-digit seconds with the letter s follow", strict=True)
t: 12h00
